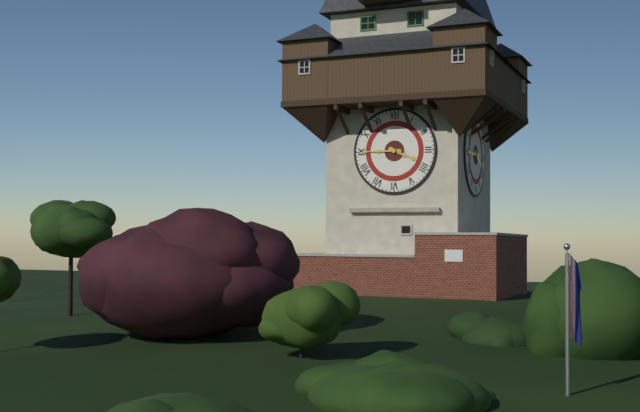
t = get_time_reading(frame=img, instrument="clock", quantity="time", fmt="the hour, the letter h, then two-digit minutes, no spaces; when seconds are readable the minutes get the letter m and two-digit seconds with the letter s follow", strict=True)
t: 3h45
